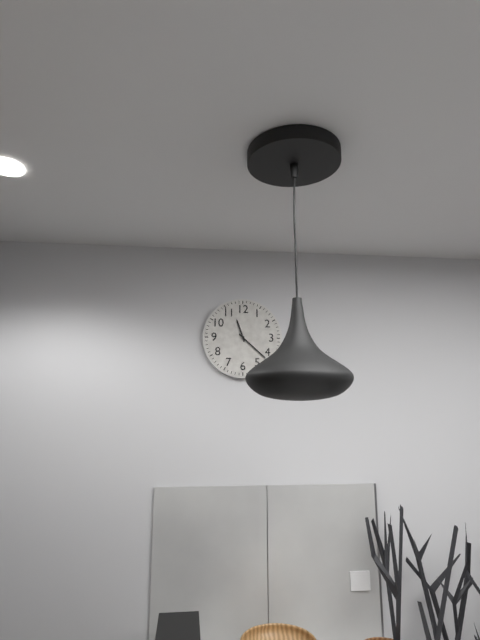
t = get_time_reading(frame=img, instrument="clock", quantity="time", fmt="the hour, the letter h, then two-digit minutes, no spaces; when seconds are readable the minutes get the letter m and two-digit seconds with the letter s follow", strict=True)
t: 11h22
